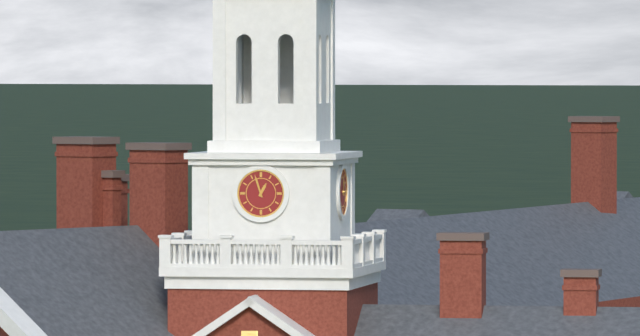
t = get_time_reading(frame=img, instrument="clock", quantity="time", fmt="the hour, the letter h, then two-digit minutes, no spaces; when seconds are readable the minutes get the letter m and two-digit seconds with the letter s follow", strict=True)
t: 12h57
